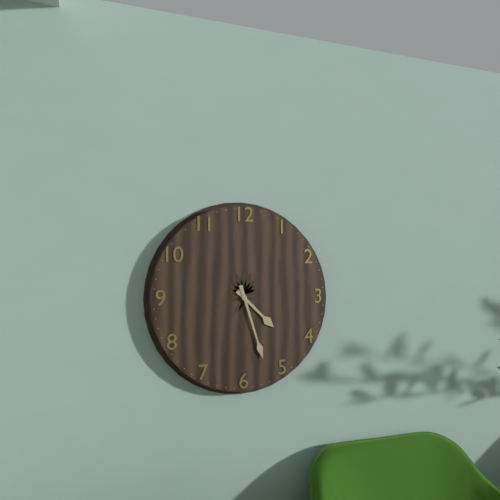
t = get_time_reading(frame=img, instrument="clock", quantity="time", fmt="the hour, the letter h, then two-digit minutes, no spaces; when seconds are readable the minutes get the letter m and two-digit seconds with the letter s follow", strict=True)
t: 4h27
